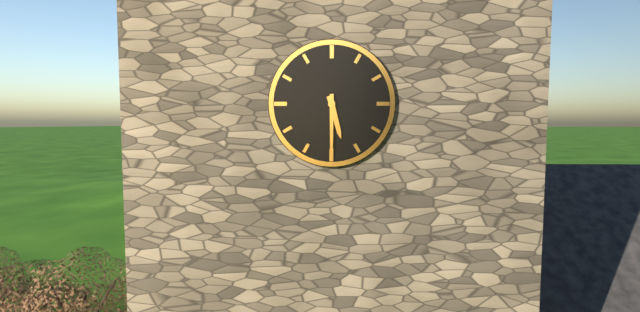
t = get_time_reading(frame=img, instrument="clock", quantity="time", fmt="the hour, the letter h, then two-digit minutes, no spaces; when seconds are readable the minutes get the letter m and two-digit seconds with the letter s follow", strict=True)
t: 5h30
